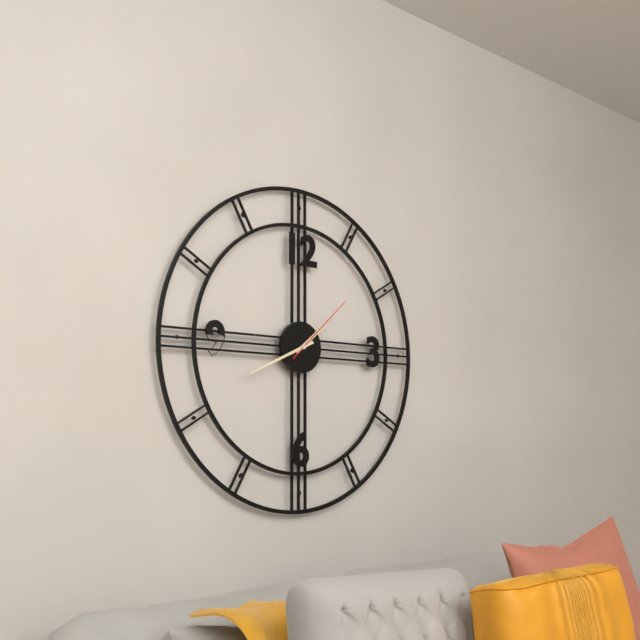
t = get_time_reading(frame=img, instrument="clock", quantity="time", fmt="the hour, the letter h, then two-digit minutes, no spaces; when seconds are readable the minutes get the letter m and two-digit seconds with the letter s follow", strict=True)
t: 1h41m08s
